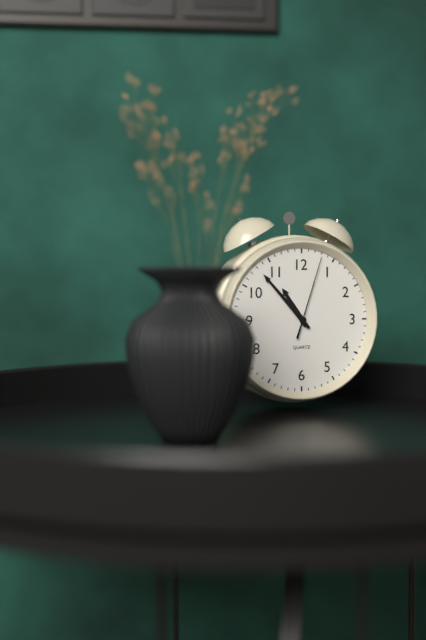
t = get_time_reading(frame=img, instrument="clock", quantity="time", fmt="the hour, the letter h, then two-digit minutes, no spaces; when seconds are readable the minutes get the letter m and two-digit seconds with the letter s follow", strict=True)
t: 10h53m03s
